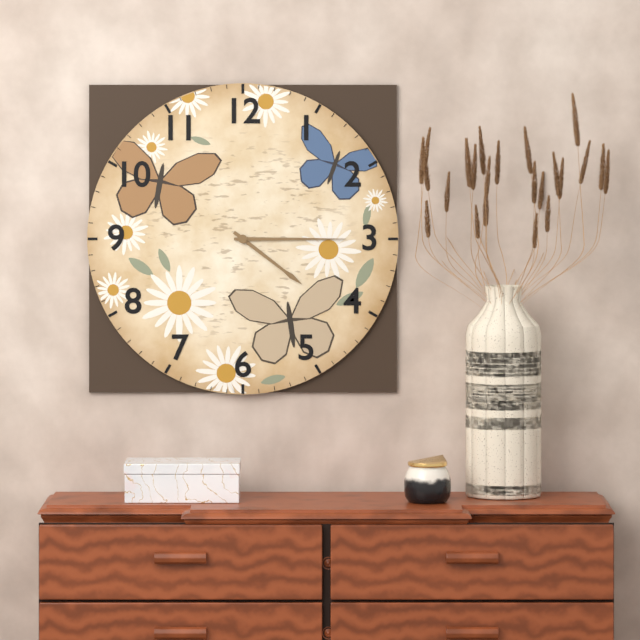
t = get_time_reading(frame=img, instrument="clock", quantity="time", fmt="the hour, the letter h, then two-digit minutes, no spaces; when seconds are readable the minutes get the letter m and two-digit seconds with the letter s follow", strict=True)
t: 4h15
